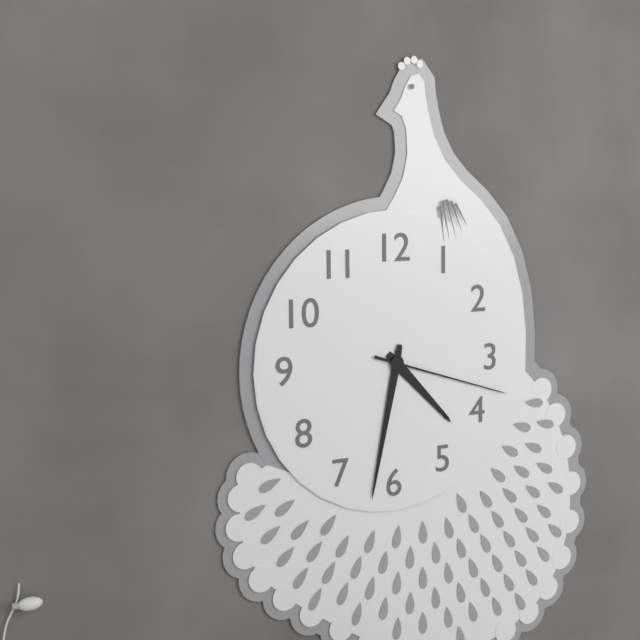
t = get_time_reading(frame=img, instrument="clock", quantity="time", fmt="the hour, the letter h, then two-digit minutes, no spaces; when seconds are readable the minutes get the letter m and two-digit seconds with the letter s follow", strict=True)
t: 4h32m18s
